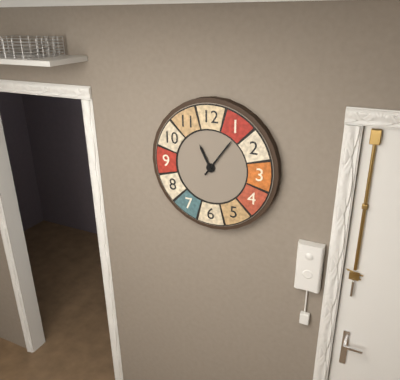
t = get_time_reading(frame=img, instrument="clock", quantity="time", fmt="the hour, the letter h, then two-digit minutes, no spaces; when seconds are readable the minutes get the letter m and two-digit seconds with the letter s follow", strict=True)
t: 11h06
